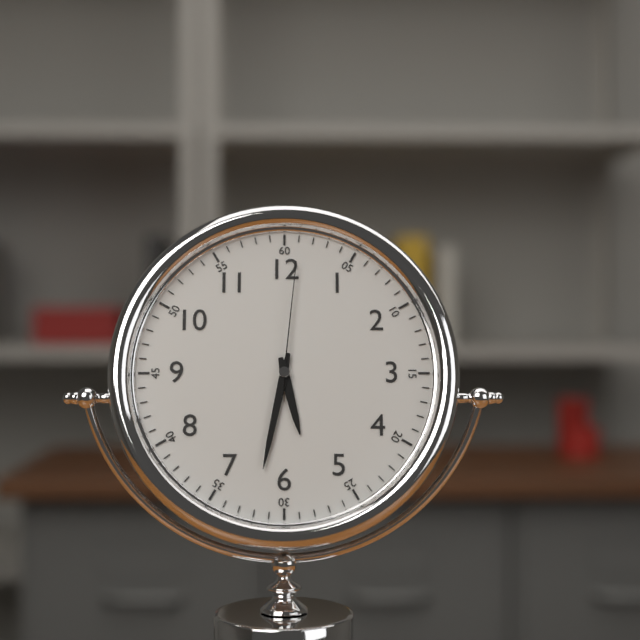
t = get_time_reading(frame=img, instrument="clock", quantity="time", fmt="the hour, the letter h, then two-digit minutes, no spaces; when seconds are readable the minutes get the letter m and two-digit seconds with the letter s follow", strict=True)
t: 5h32m01s
